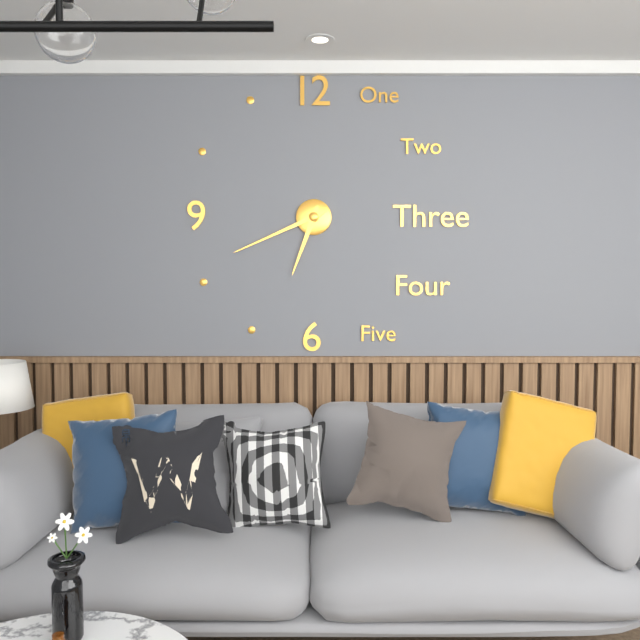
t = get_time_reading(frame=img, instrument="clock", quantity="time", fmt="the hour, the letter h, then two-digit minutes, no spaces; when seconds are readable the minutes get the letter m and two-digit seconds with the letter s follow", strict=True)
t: 6h41
